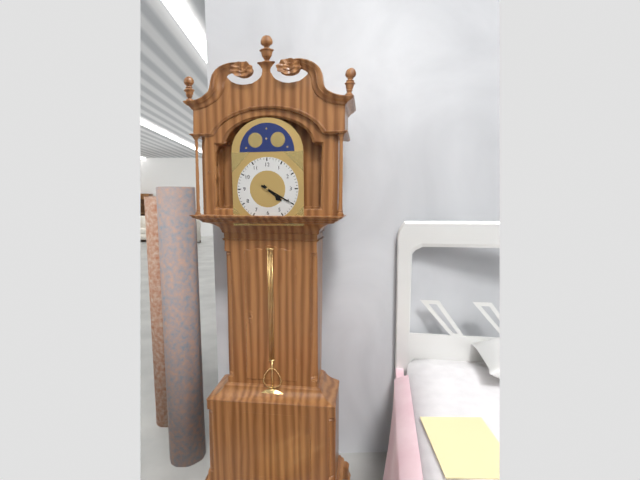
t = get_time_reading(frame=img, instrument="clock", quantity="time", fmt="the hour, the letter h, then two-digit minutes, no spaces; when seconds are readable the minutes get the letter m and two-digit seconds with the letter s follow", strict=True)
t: 4h20
